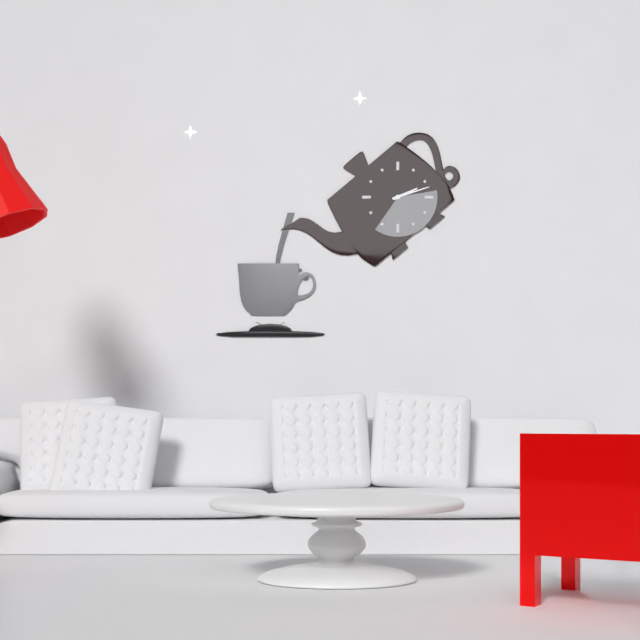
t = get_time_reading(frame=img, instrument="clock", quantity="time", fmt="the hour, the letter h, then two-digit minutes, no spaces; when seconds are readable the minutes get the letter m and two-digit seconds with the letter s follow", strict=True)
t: 2h12
